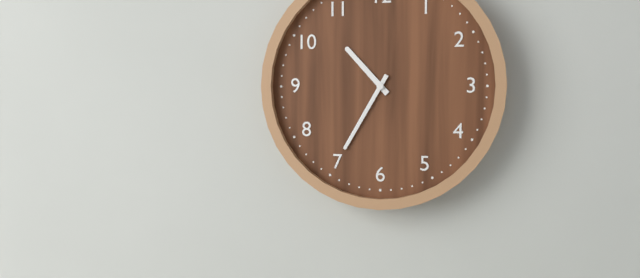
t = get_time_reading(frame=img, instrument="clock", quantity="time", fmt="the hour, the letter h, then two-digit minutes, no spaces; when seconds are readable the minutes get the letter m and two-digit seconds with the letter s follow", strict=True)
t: 10h35
